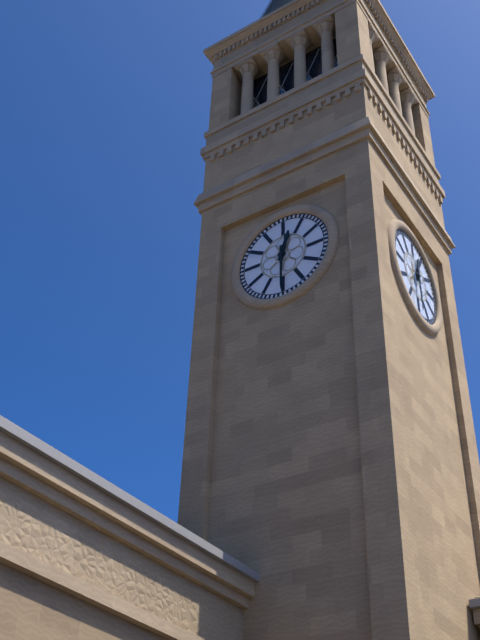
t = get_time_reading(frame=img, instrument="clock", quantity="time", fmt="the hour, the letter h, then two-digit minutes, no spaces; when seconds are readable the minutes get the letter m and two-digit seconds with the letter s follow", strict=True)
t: 12h30
